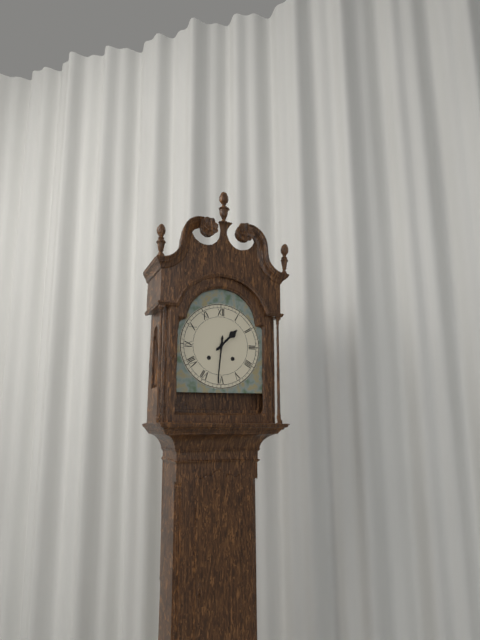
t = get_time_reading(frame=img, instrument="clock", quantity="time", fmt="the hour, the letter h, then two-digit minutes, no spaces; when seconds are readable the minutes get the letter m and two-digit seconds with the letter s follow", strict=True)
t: 1h31
